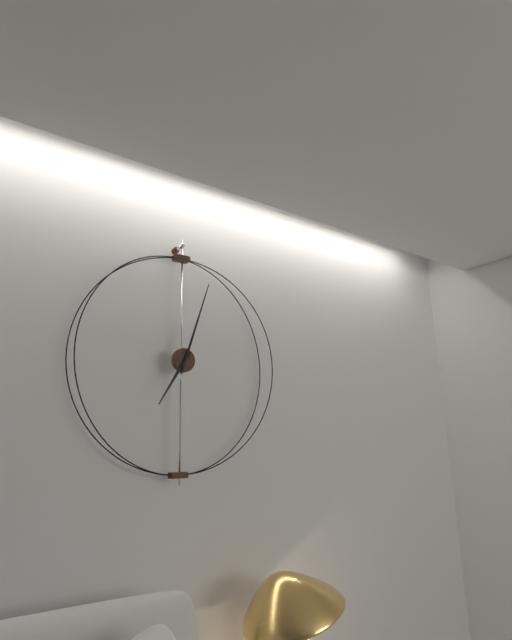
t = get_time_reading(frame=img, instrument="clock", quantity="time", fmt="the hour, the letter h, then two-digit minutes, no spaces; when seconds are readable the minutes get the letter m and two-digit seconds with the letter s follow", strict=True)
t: 7h03
